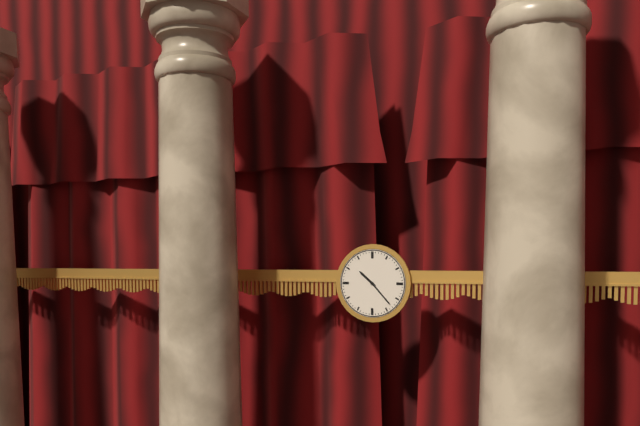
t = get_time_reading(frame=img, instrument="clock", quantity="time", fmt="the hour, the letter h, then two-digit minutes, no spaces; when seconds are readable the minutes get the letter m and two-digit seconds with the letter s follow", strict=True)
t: 10h23
